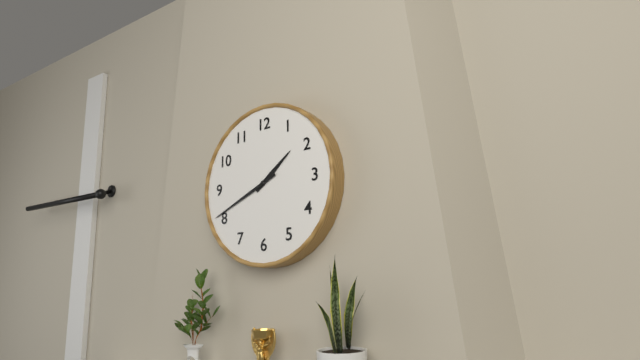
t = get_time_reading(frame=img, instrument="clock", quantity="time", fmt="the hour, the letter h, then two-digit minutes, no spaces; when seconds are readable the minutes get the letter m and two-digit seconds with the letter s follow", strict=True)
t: 1h41
